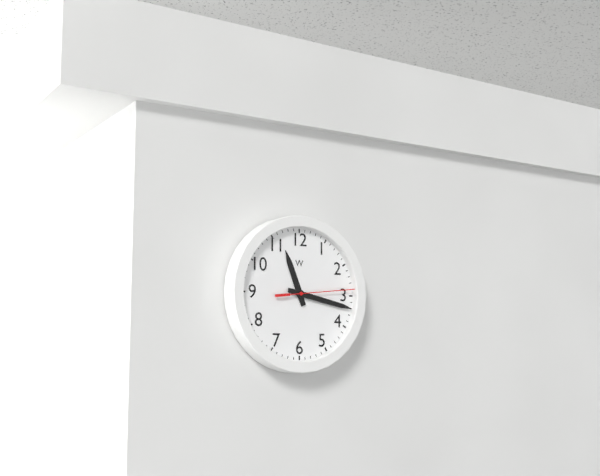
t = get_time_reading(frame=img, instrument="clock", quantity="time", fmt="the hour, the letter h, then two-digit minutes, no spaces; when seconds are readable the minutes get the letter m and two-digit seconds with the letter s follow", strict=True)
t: 11h17m14s
